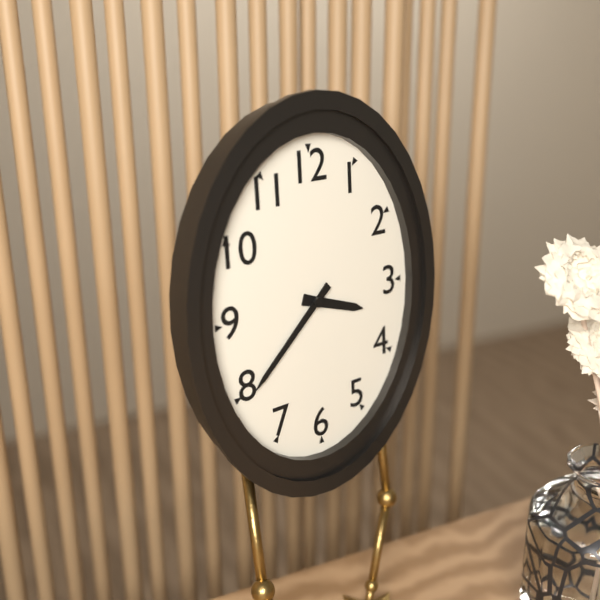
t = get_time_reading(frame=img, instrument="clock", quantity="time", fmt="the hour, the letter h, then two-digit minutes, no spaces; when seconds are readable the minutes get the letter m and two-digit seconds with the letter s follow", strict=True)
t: 3h38
